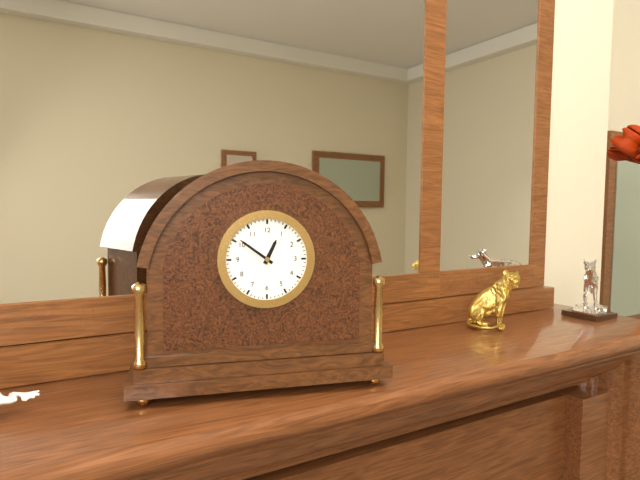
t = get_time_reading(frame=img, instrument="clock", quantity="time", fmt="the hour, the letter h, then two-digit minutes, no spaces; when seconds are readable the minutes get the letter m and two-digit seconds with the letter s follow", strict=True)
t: 12h51
